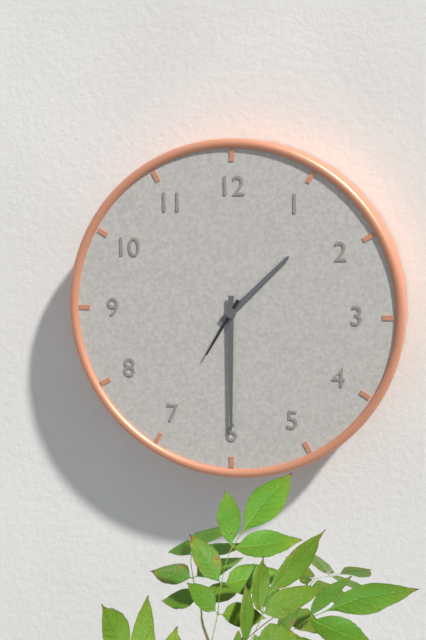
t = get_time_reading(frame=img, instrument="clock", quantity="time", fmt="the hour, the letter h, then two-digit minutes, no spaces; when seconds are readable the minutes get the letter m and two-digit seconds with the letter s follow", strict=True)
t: 1h30m35s
